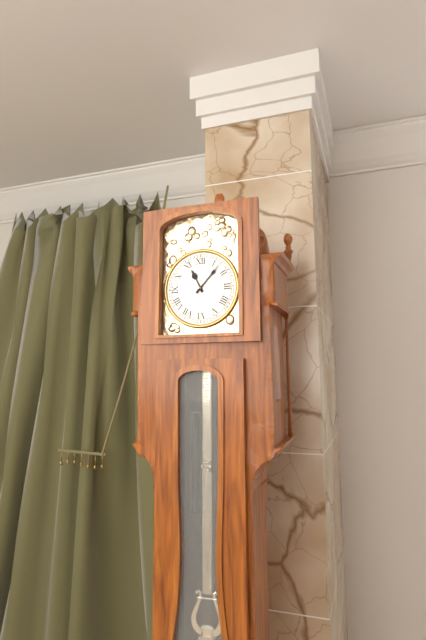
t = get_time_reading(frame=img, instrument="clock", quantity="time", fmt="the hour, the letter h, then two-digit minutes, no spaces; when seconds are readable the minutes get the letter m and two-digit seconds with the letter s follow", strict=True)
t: 11h07
